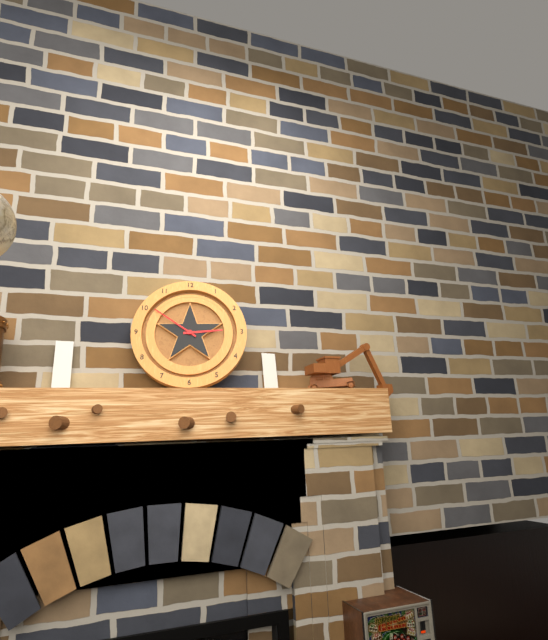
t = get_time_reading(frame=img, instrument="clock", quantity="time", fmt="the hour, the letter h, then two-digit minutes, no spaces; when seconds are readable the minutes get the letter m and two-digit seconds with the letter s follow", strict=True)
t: 2h51
